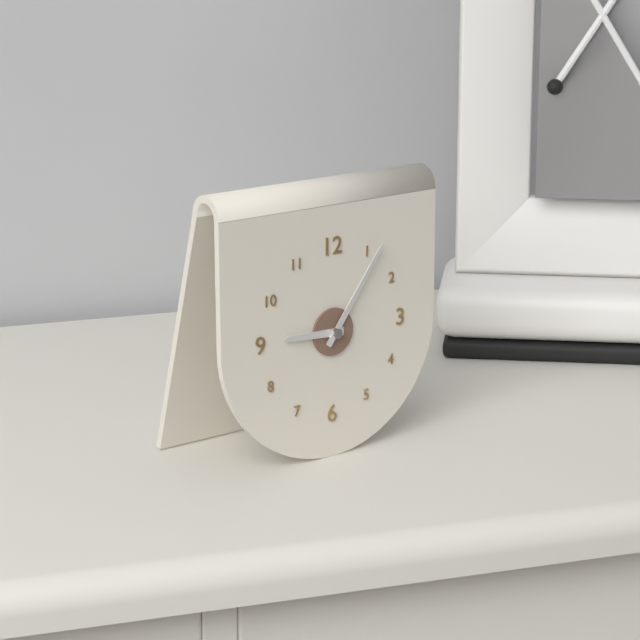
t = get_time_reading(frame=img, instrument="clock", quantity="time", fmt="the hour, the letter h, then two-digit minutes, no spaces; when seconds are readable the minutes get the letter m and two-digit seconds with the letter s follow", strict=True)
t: 9h06
